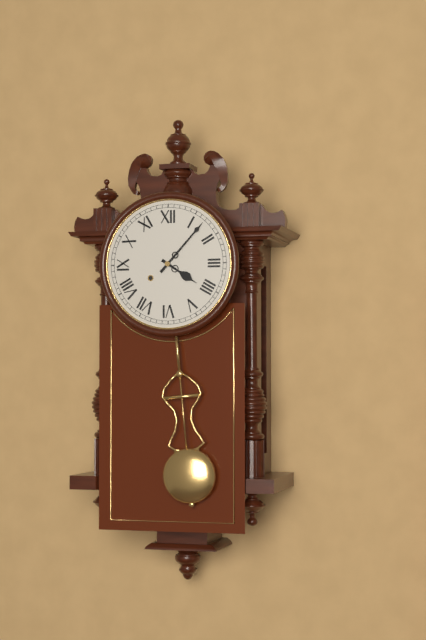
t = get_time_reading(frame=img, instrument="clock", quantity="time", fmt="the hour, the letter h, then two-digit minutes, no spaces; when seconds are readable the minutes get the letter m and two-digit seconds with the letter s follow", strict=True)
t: 4h07
